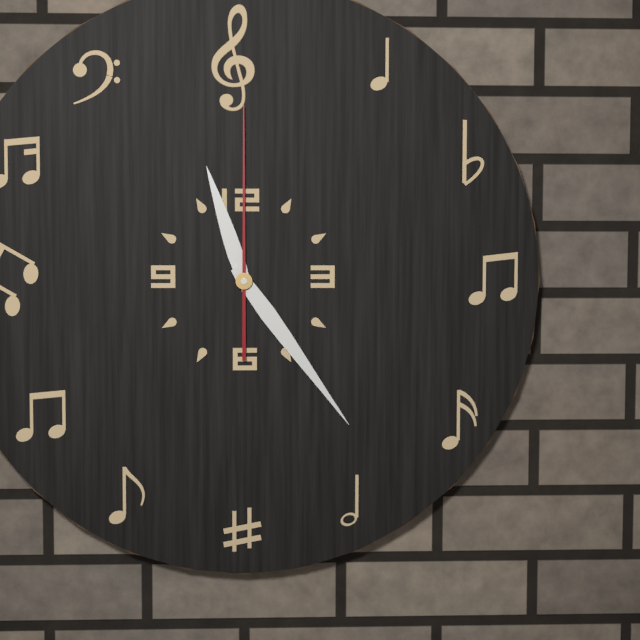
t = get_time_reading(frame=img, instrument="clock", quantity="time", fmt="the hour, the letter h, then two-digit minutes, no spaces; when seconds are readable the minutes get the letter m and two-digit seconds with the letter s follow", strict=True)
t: 11h24m00s
